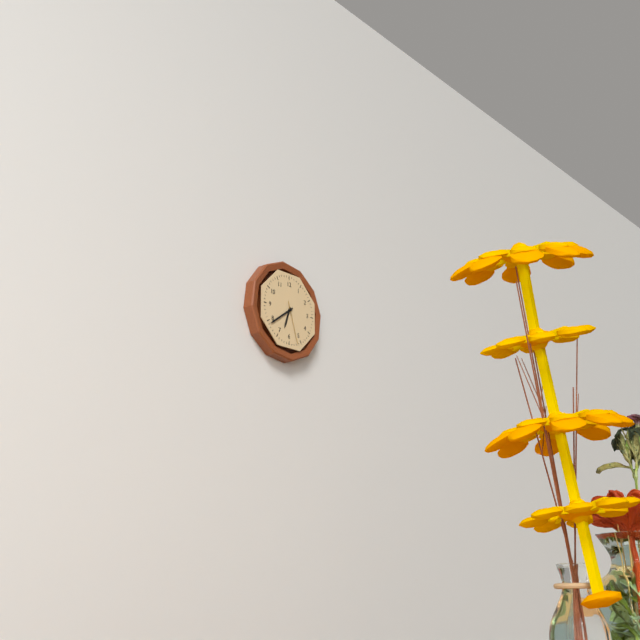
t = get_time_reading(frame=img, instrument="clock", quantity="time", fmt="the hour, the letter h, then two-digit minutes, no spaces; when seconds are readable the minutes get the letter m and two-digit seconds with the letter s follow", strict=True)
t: 6h39
